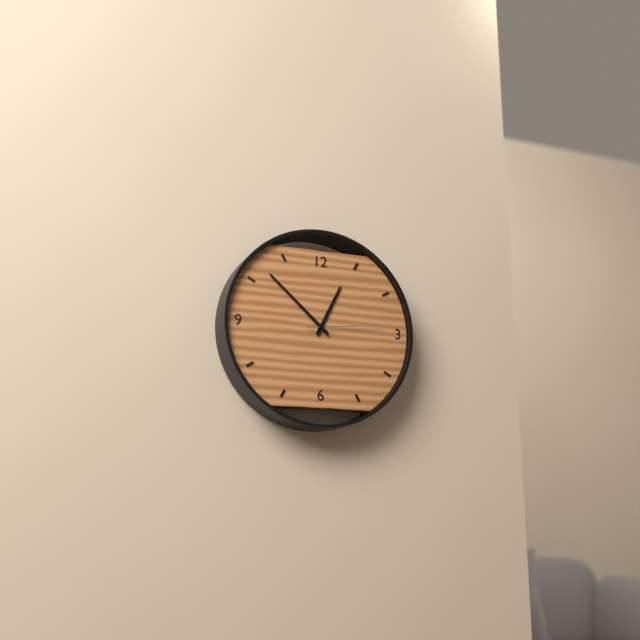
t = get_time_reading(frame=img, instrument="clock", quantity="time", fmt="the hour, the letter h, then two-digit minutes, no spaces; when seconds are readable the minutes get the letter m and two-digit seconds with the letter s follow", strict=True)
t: 12h52m14s
